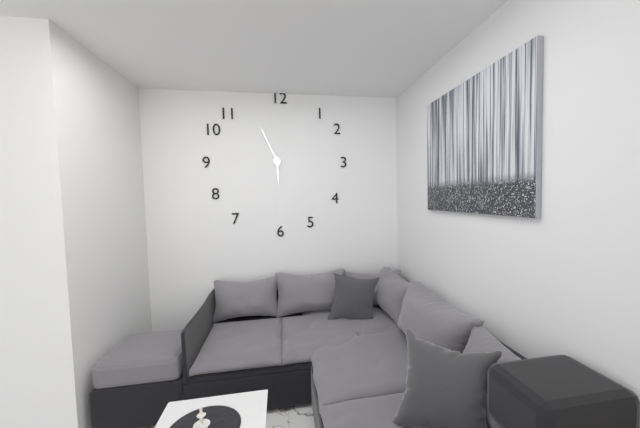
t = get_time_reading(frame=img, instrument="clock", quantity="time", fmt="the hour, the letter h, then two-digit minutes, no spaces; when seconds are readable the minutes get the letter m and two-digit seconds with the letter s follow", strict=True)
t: 5h56
